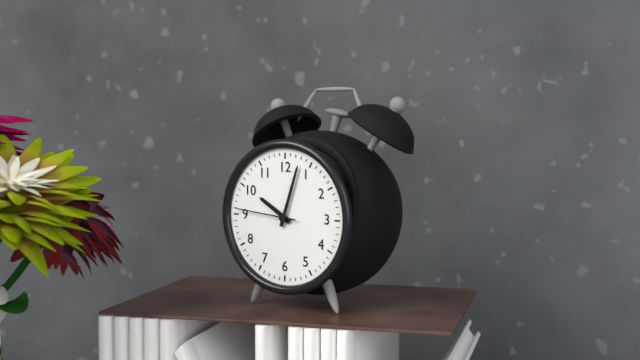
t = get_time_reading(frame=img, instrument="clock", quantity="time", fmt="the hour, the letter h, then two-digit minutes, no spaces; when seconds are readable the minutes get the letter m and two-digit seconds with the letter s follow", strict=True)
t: 10h03m46s
